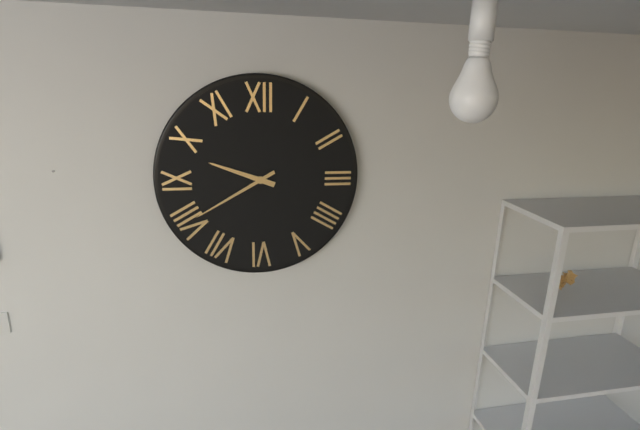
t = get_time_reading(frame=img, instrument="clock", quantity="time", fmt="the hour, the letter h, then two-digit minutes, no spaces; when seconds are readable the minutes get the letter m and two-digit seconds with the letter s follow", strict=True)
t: 9h40
